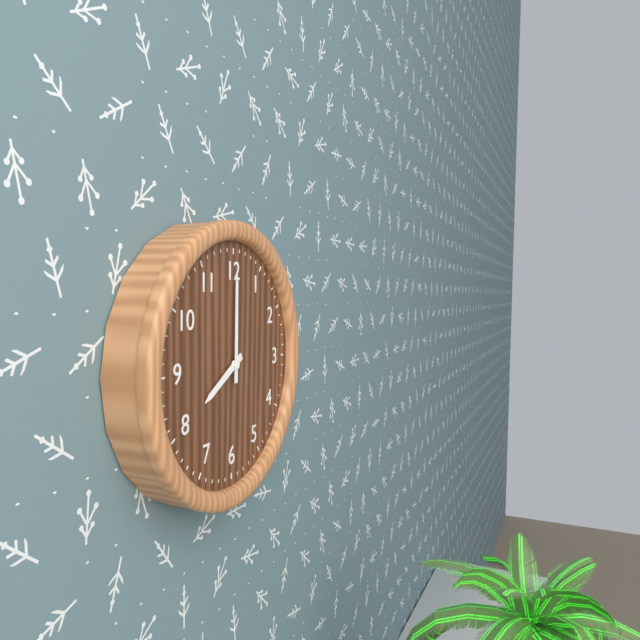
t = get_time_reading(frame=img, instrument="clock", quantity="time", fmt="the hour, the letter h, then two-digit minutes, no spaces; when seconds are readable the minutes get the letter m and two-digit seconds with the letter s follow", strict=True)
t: 8h00
